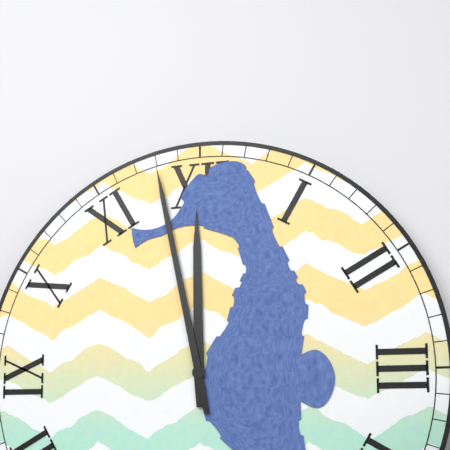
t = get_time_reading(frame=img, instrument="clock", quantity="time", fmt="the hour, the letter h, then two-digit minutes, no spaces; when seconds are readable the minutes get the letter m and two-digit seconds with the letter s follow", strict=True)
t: 11h58
